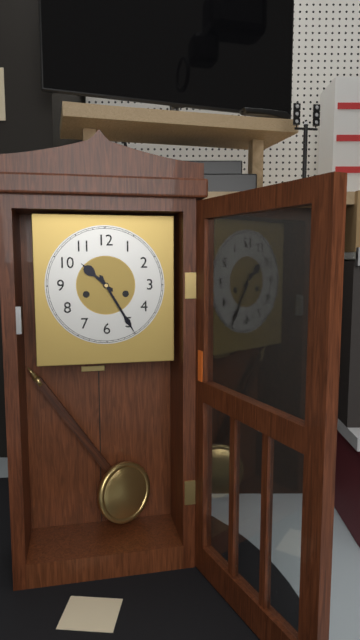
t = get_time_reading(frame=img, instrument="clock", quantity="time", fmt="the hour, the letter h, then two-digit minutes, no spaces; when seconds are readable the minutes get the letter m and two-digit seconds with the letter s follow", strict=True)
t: 10h25
